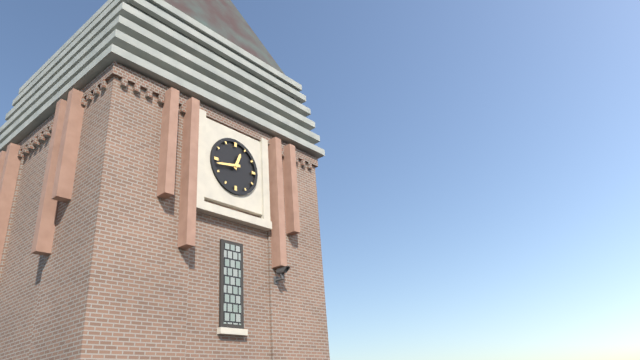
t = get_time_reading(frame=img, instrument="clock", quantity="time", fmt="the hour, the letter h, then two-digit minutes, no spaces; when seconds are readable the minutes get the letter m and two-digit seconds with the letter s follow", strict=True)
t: 12h43
